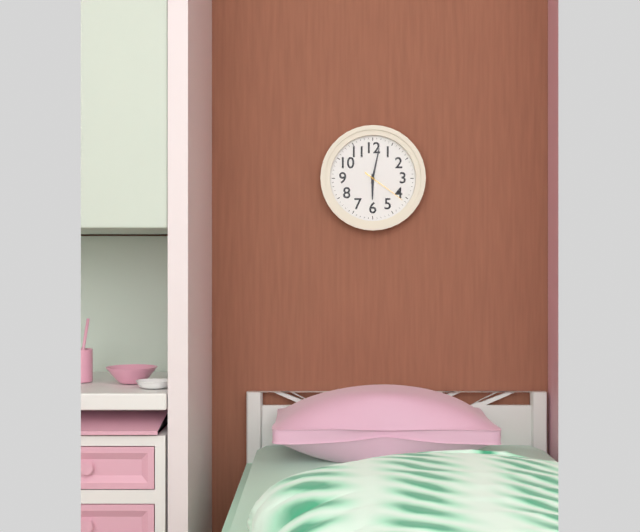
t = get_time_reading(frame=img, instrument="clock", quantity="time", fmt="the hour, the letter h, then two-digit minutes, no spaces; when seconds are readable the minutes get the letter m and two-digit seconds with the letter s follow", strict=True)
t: 6h02
